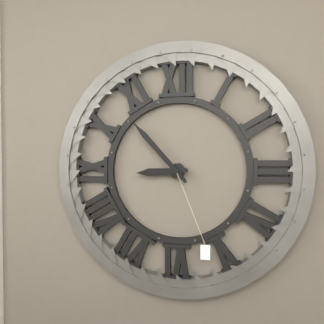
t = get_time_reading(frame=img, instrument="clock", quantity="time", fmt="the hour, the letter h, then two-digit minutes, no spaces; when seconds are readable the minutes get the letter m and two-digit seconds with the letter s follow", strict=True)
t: 8h53
